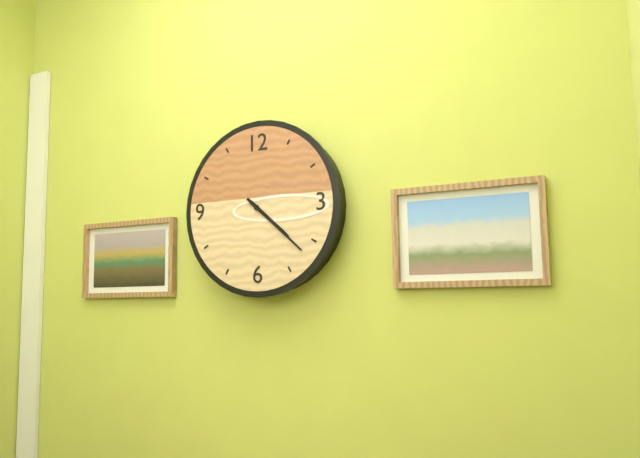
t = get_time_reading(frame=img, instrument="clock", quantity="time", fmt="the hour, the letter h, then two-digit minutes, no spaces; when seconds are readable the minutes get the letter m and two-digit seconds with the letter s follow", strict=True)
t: 4h22
